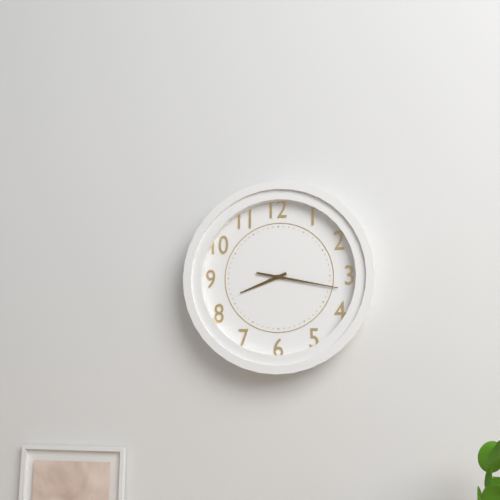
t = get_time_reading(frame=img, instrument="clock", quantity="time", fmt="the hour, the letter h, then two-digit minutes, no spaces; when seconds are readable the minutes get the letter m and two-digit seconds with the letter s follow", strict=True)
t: 8h17
